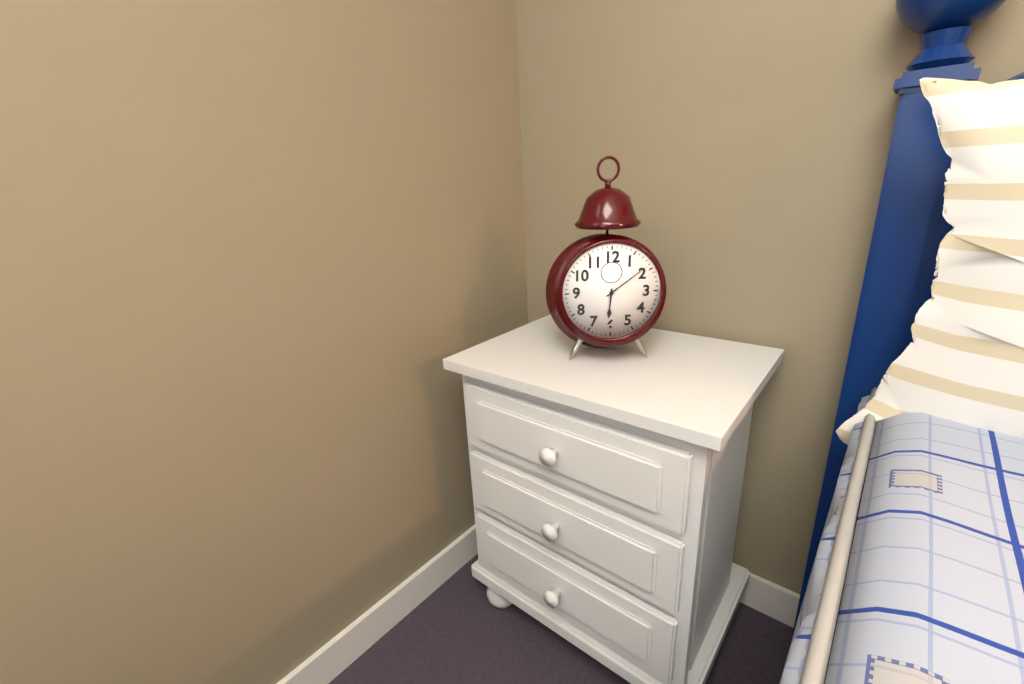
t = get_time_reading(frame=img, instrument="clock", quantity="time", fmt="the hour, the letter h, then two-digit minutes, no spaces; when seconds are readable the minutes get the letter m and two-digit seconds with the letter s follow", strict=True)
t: 6h09
